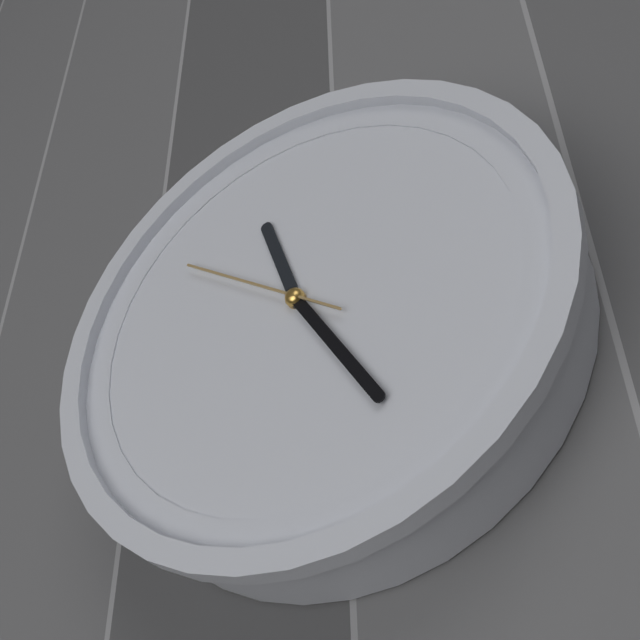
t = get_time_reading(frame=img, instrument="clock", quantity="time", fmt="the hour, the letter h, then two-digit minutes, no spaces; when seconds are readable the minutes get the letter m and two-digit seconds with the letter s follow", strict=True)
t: 11h25m51s
